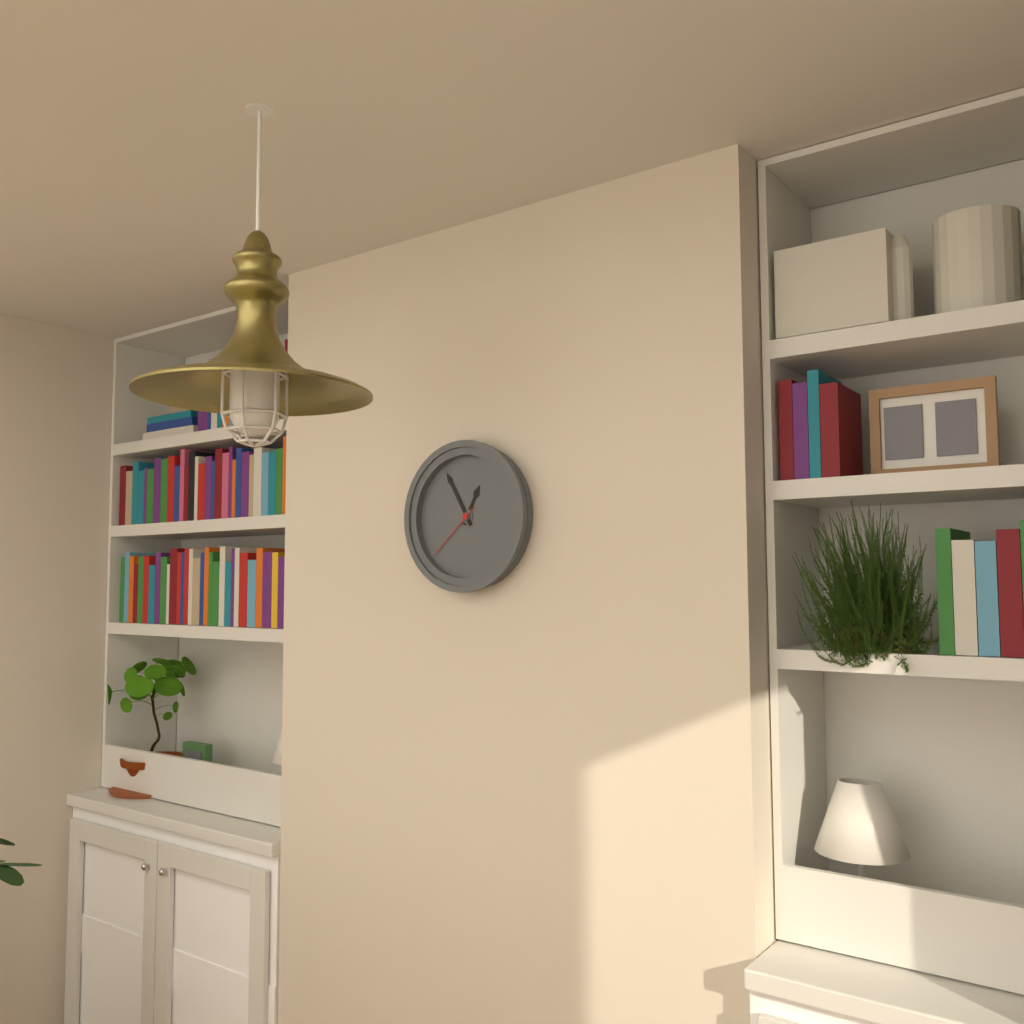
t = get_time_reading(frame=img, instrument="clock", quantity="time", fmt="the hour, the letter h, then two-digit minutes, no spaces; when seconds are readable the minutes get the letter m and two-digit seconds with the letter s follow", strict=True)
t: 12h55m38s
